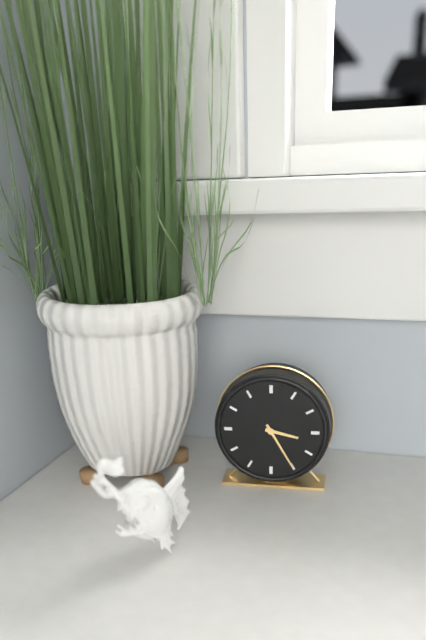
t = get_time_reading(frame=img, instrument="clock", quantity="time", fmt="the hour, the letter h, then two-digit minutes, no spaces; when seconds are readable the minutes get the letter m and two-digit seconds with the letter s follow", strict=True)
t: 3h25
